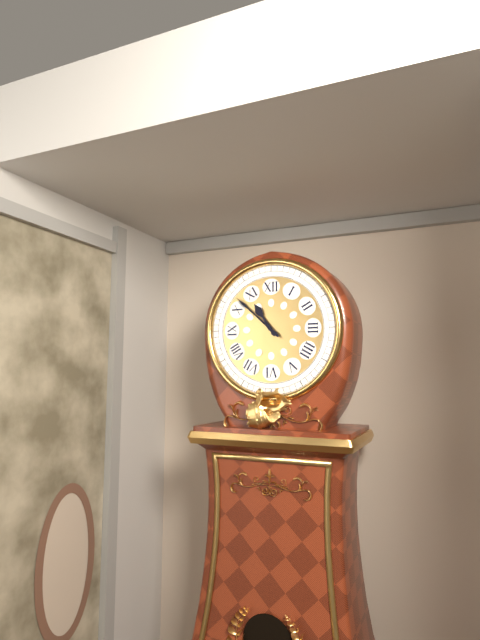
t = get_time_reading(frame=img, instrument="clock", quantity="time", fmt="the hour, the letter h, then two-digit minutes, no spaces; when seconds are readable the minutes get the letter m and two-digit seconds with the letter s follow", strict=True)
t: 10h52
